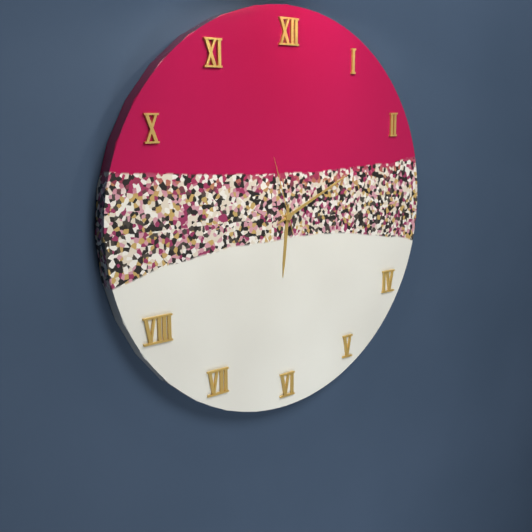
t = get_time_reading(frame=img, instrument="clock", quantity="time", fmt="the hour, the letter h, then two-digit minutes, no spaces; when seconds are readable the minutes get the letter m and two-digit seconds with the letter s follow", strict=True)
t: 6h11m57s
